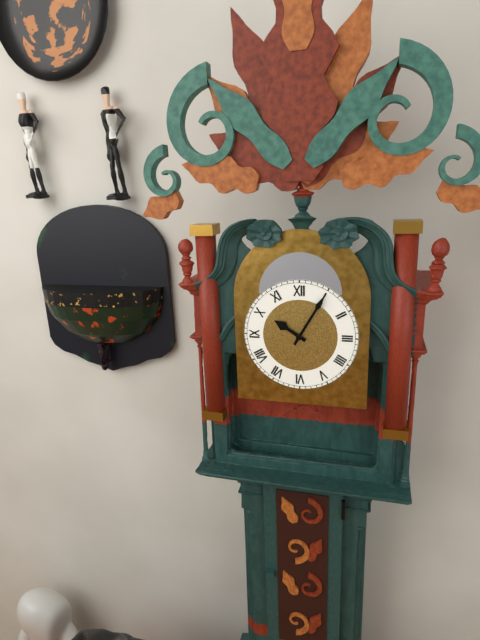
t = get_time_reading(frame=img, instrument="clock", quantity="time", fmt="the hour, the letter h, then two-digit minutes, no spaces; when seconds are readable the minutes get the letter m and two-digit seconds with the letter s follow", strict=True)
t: 10h05
